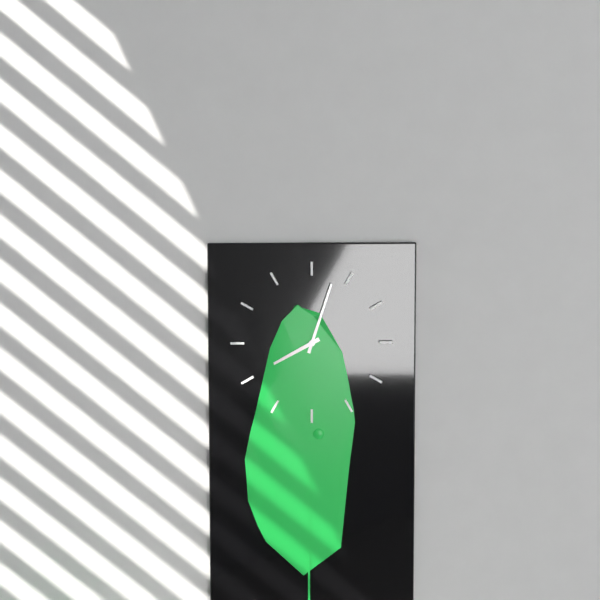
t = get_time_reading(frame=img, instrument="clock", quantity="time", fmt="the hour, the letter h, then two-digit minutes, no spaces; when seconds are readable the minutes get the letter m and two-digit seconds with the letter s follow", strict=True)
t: 8h03
